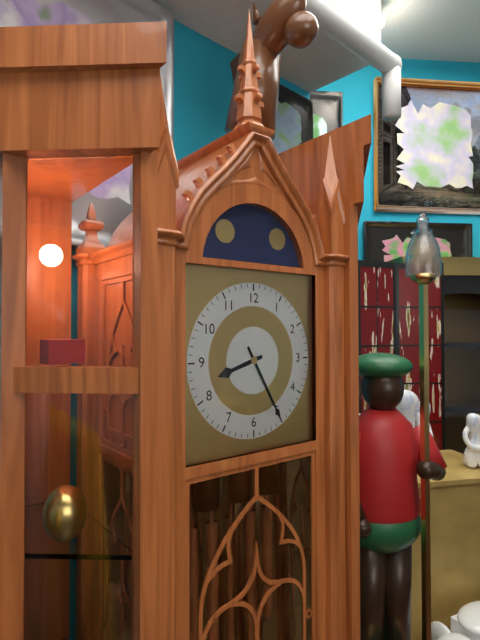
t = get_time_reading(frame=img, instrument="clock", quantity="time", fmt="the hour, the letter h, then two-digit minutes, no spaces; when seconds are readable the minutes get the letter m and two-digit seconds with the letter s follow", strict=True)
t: 8h25
